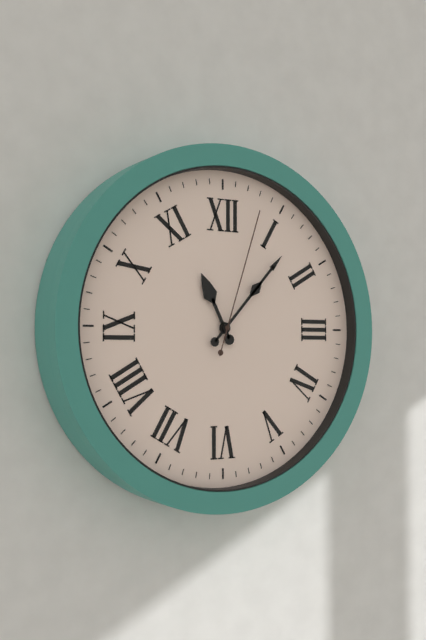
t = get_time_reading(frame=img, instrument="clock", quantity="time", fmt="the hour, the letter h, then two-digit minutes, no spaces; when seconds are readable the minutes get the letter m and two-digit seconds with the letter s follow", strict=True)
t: 11h07m03s
